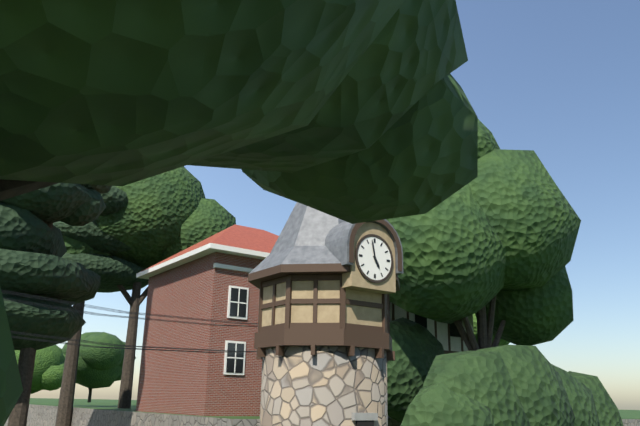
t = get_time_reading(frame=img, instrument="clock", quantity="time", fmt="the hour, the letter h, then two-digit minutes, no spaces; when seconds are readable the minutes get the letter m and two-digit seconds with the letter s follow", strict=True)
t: 4h58
